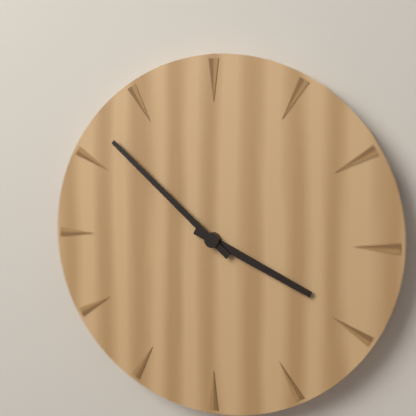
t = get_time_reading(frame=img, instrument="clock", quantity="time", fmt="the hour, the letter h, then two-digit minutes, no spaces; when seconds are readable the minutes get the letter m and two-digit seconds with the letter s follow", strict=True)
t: 3h52
